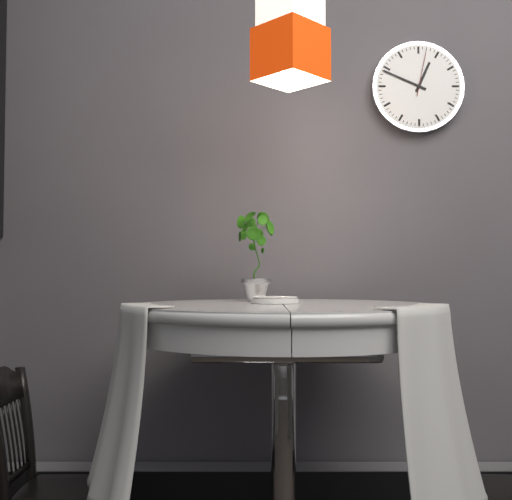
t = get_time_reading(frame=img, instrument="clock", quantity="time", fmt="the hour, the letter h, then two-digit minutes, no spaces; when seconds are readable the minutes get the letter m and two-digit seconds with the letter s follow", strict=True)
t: 12h49
